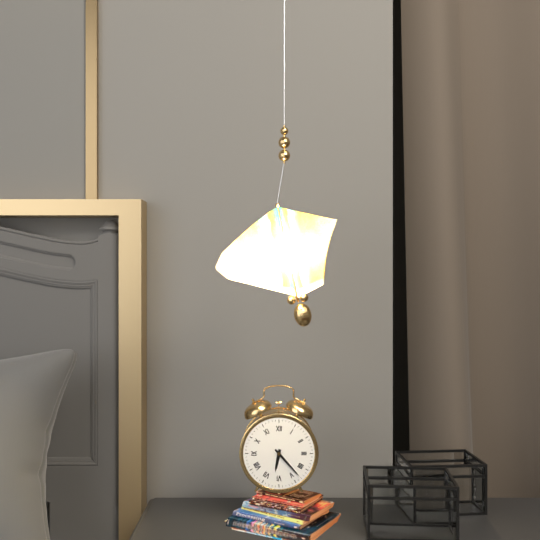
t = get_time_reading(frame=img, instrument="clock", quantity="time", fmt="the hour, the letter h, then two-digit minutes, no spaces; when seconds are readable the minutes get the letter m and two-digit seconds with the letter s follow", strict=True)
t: 6h23
